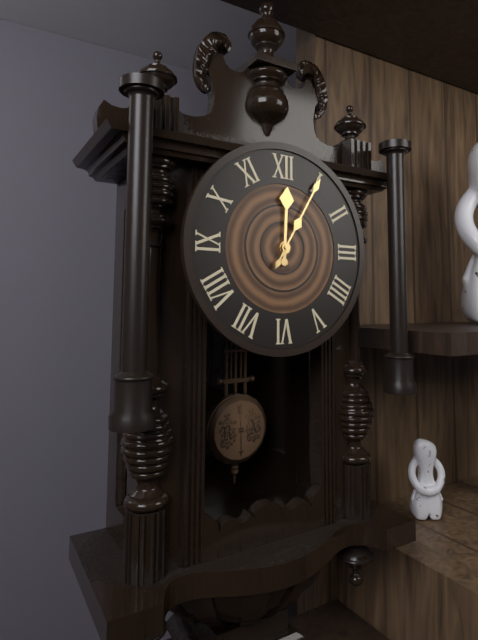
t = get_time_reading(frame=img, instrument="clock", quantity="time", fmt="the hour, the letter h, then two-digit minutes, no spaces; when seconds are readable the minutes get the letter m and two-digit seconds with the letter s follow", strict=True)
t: 12h05
